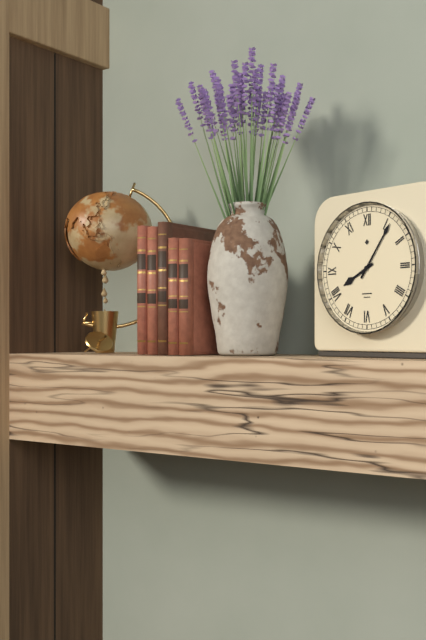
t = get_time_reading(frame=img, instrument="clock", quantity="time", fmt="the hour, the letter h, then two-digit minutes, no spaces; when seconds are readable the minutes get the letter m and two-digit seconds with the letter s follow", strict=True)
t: 8h06
